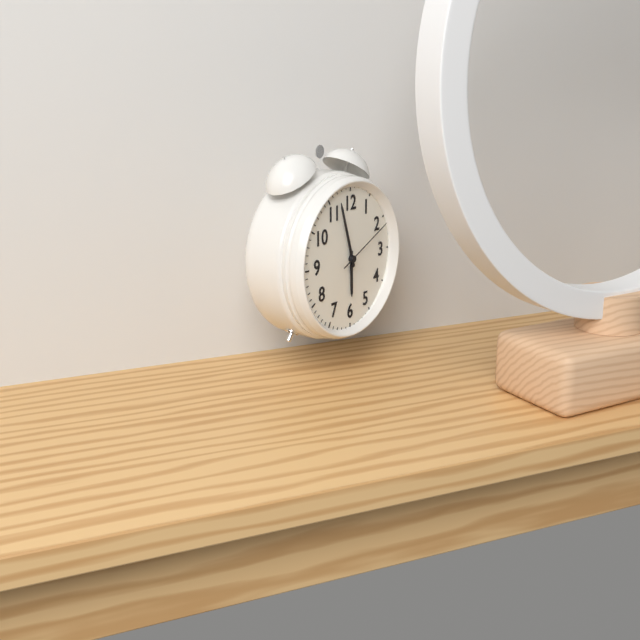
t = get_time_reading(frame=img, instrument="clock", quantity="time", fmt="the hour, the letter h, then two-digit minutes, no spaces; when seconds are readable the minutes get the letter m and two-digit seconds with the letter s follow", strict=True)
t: 5h57m11s
